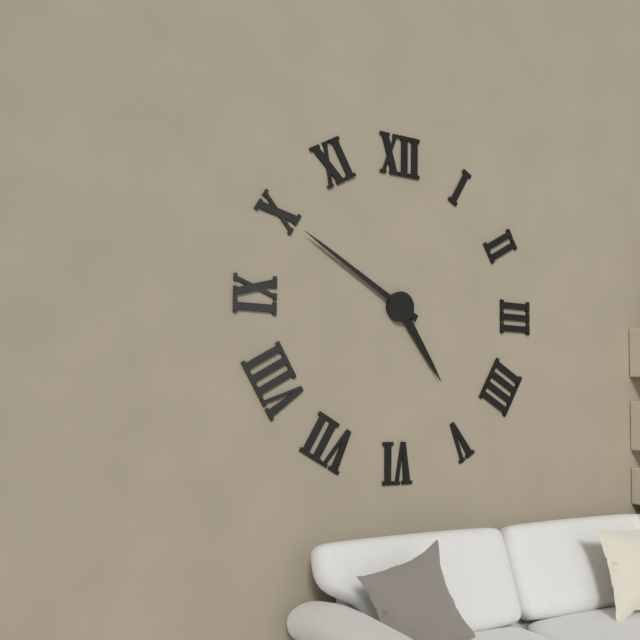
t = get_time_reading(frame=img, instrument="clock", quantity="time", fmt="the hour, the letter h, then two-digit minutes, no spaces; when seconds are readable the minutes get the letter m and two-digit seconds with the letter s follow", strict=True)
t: 4h50
